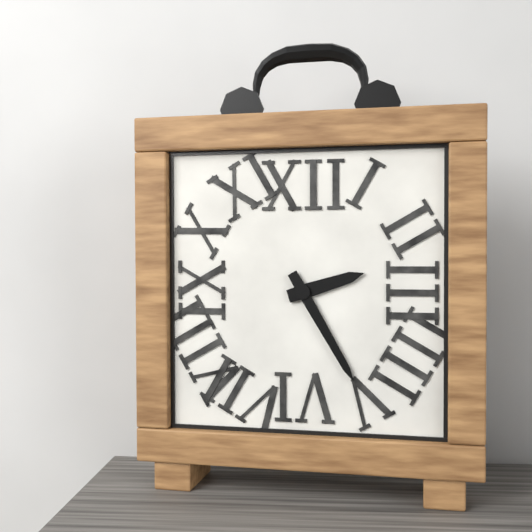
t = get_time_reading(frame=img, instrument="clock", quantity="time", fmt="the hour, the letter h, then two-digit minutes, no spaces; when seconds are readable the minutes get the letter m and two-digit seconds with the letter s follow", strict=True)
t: 2h25
